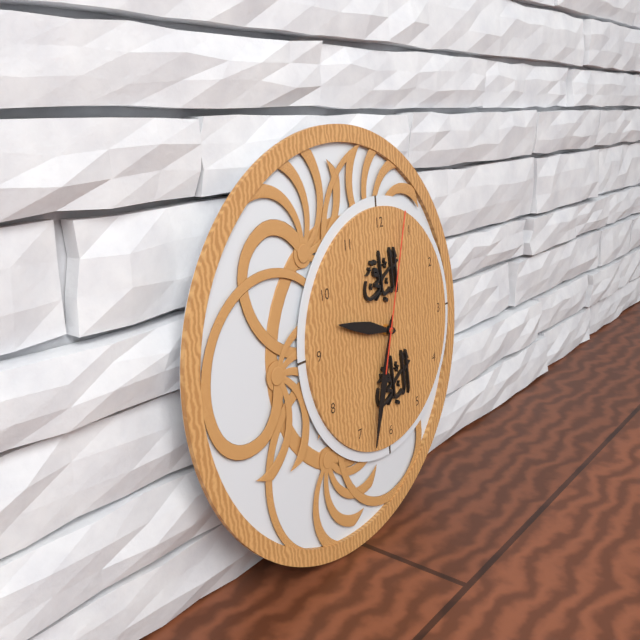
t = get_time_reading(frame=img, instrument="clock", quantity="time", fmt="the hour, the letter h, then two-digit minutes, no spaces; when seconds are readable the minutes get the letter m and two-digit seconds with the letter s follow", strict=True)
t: 9h33m03s
